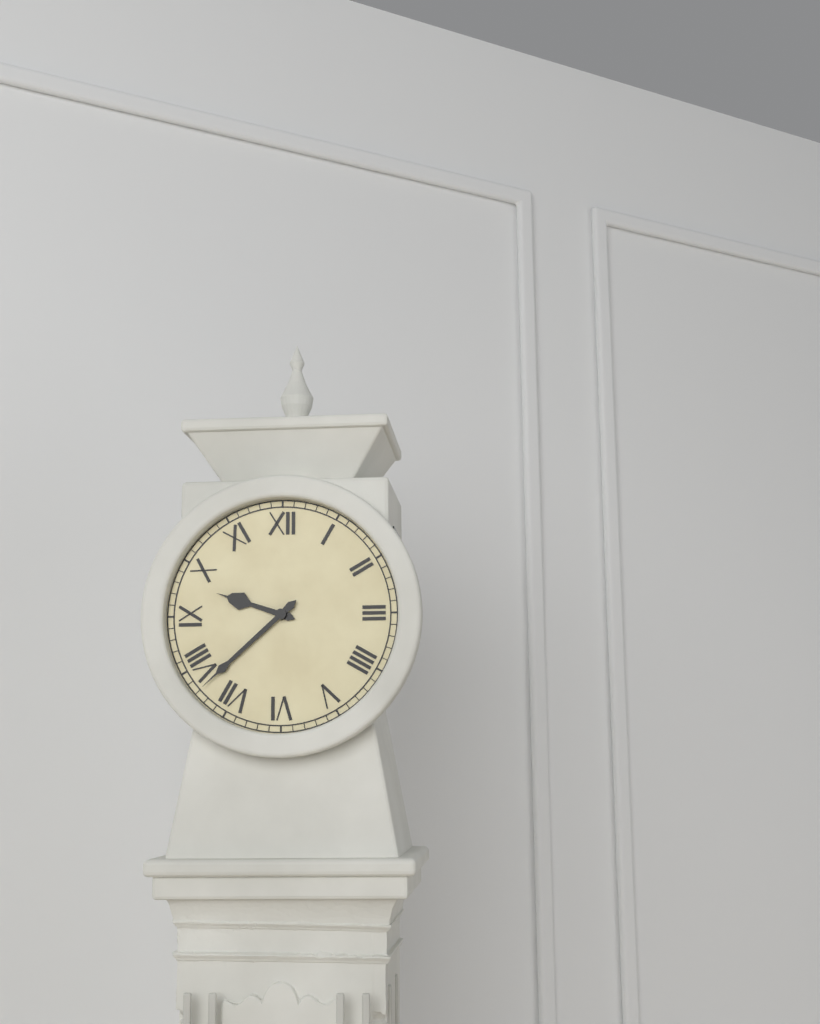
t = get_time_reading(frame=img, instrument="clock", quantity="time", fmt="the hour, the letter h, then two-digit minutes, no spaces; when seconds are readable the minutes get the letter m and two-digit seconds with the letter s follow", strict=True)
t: 9h38
